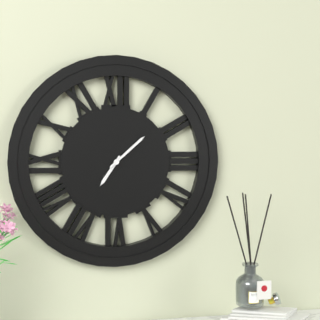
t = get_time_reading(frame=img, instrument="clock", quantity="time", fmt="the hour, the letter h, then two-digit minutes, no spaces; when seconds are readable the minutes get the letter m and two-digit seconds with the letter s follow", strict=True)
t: 7h08
